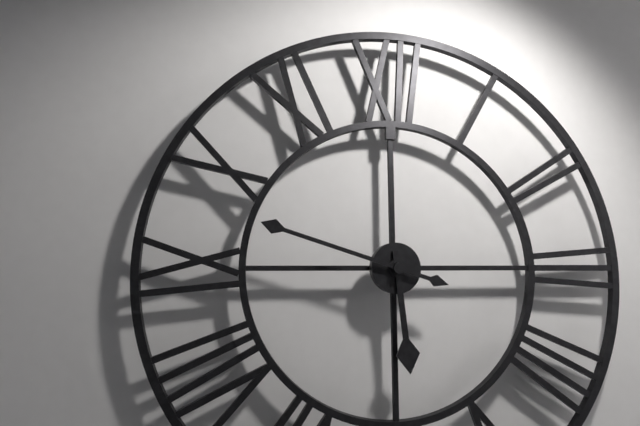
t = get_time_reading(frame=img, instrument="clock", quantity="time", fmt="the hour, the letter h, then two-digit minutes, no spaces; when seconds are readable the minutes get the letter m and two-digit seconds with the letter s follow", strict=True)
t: 5h48
